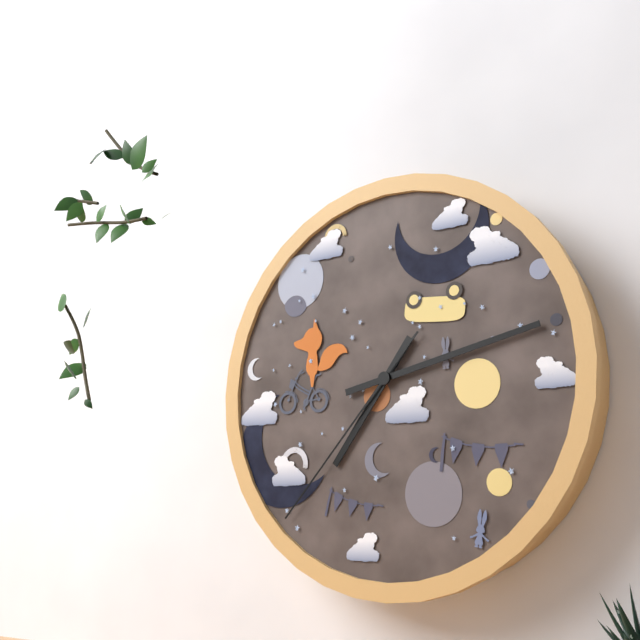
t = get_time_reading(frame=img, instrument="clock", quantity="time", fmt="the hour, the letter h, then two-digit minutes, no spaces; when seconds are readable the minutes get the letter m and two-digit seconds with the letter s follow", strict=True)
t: 7h13m37s
